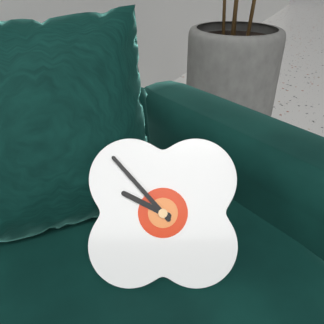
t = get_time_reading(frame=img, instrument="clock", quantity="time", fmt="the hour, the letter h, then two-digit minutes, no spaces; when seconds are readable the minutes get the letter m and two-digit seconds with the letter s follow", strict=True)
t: 9h53
